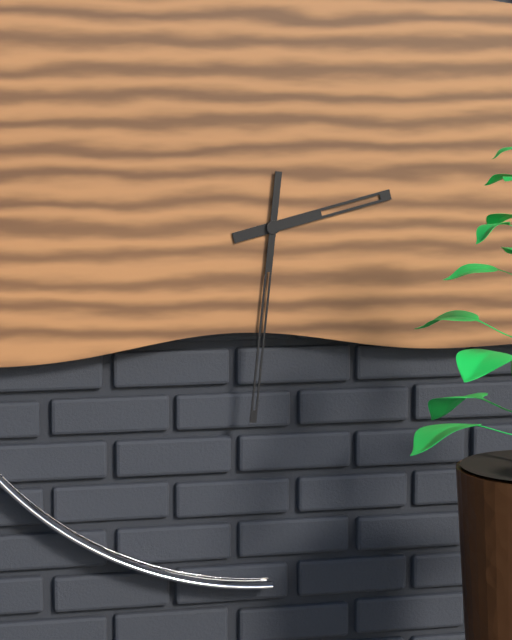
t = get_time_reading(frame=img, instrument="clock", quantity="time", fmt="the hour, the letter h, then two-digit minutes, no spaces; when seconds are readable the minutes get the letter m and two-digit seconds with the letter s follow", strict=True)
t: 2h31
